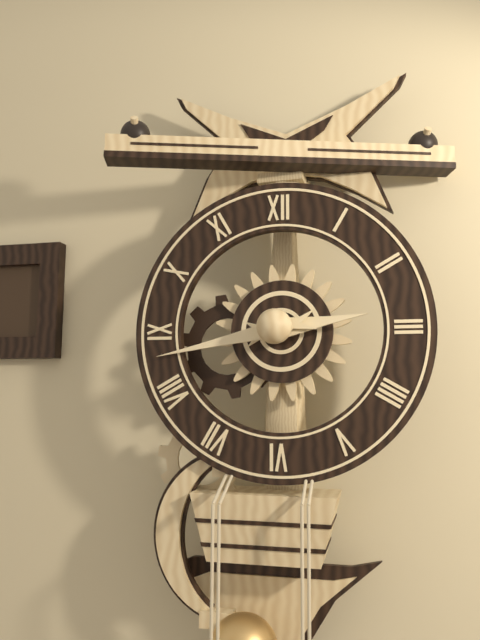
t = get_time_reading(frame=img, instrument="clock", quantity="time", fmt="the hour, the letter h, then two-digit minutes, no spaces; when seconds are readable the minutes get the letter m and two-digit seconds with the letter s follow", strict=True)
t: 2h43
